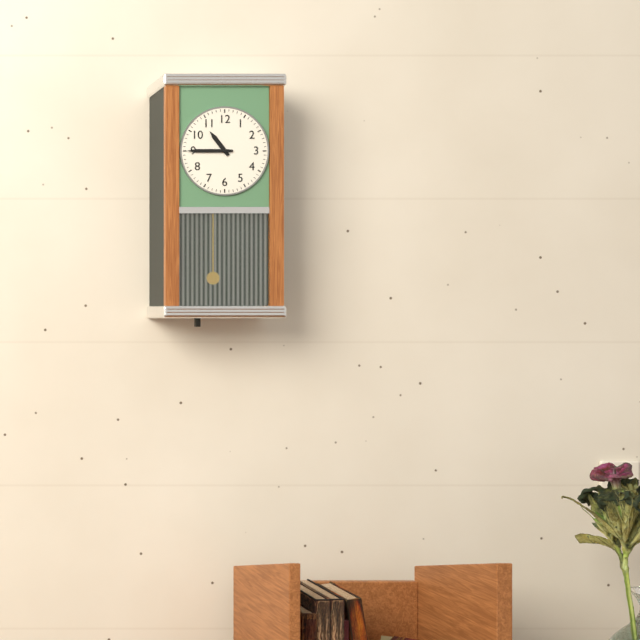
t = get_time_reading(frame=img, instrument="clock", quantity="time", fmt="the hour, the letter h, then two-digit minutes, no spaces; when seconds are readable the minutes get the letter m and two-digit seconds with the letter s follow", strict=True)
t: 10h45
